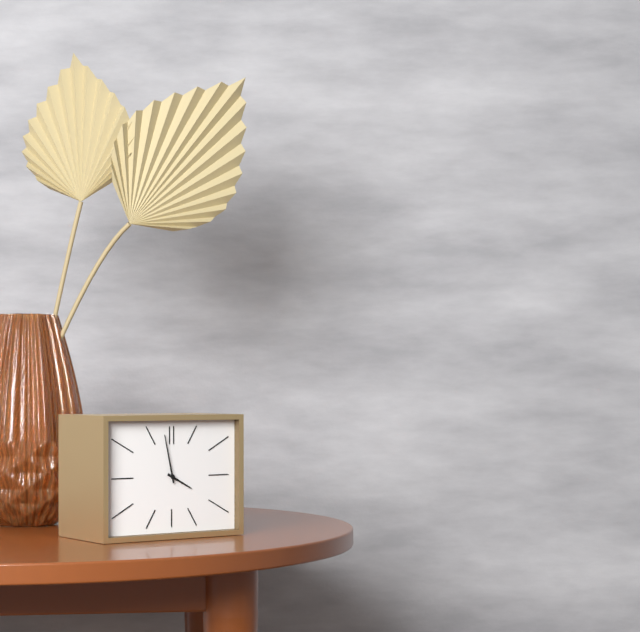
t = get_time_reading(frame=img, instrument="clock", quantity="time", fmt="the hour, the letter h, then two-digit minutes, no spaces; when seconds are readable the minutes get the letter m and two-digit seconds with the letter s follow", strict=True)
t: 3h58
